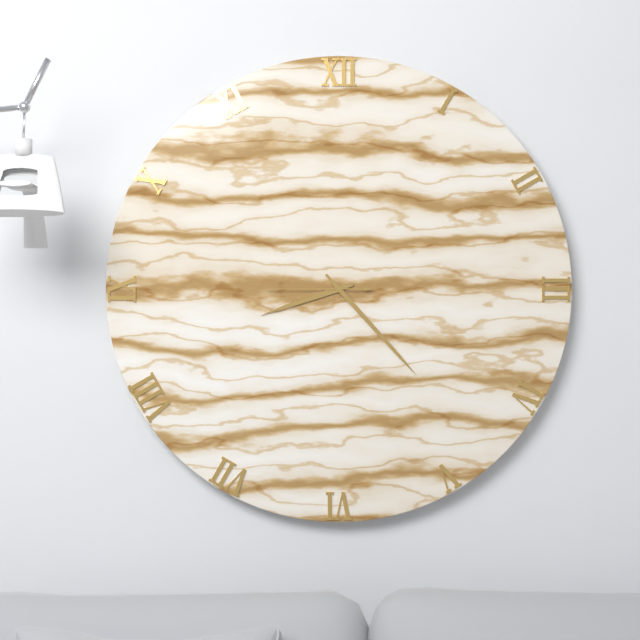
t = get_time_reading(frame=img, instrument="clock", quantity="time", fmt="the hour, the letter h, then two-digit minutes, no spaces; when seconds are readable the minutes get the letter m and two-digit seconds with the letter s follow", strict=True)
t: 8h23m45s
